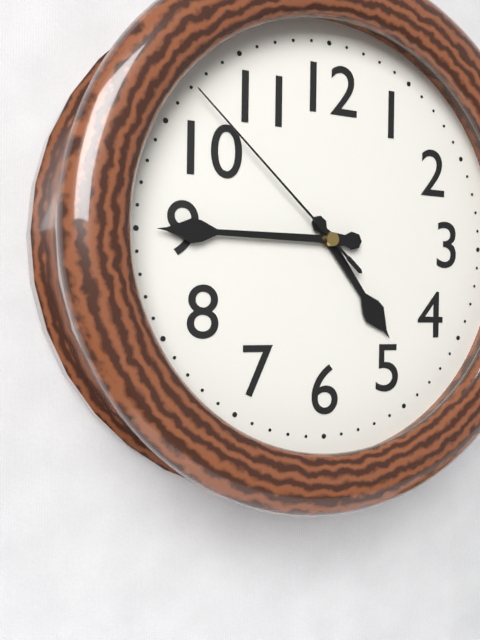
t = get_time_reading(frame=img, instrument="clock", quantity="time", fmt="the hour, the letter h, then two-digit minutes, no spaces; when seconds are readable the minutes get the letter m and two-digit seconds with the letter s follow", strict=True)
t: 4h45m52s
